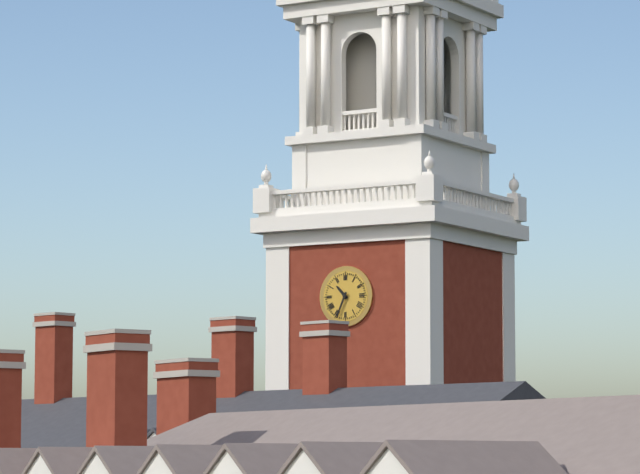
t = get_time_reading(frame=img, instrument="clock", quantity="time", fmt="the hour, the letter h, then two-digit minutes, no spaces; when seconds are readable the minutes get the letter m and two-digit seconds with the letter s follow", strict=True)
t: 10h34
